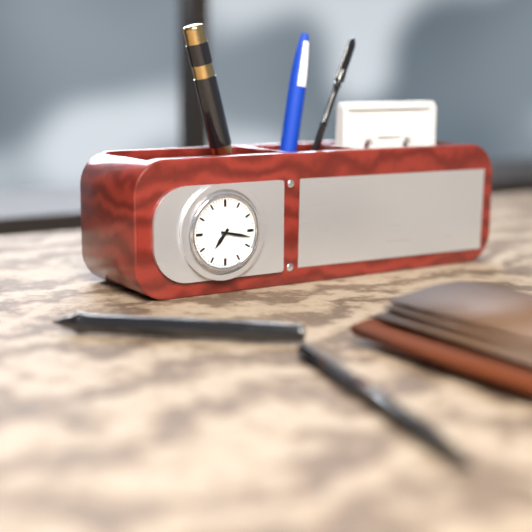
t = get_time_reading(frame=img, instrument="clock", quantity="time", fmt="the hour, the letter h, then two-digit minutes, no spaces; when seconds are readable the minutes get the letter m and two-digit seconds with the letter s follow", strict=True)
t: 7h17
